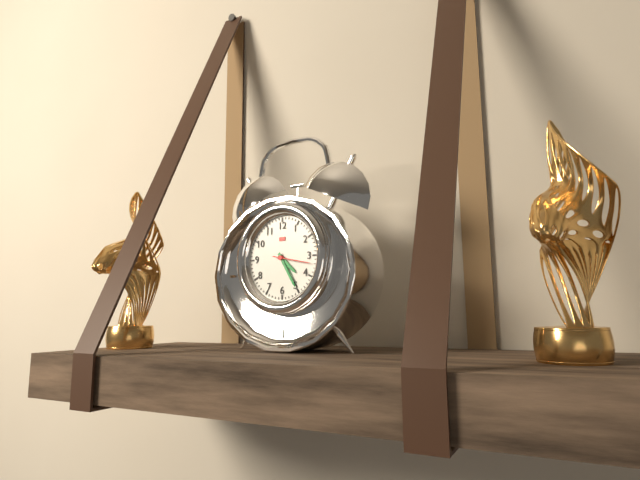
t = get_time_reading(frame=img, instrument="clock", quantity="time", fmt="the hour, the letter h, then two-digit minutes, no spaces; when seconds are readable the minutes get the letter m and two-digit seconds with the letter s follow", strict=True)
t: 4h25
